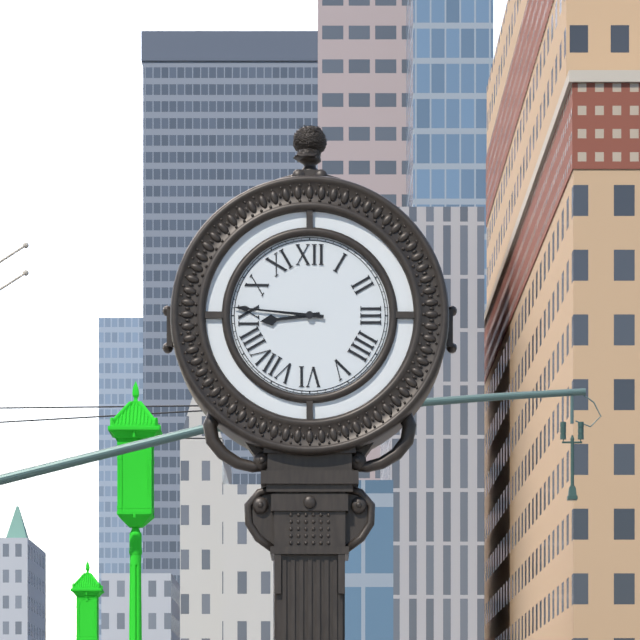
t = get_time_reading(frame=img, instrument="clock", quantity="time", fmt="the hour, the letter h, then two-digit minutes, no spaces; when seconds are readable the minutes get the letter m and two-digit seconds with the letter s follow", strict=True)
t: 8h46
